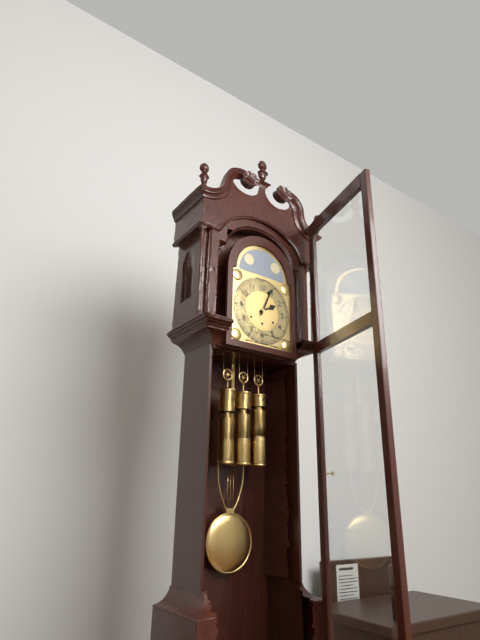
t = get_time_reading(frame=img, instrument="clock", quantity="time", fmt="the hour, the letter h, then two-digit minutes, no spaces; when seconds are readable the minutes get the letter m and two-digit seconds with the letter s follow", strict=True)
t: 2h04
